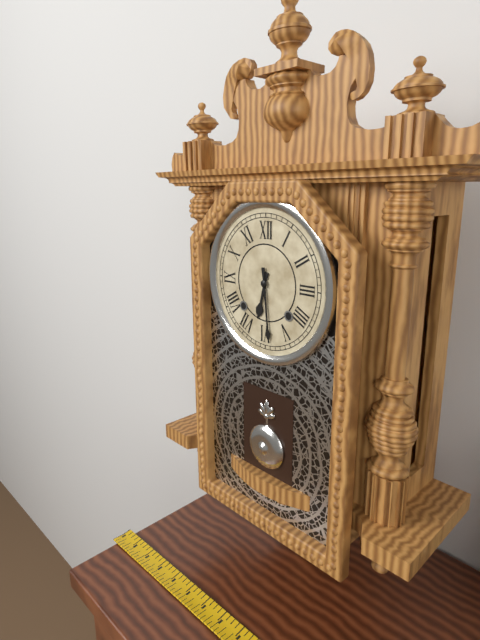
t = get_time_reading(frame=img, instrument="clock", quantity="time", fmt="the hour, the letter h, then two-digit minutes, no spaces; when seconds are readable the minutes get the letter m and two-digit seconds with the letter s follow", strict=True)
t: 6h29
